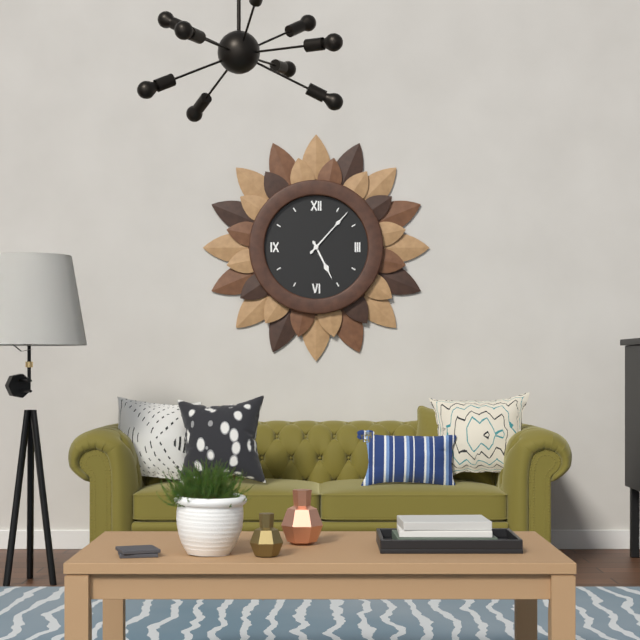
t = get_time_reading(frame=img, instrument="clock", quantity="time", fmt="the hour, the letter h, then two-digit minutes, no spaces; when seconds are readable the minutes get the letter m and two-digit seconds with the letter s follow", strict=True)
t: 5h07
